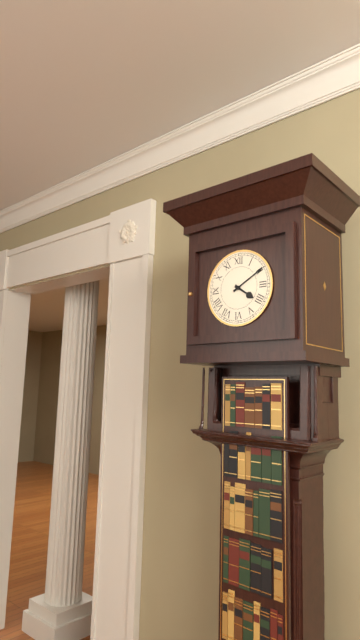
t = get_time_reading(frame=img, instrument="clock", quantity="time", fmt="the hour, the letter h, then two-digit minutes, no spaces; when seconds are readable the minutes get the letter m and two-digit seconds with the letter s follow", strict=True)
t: 4h10
